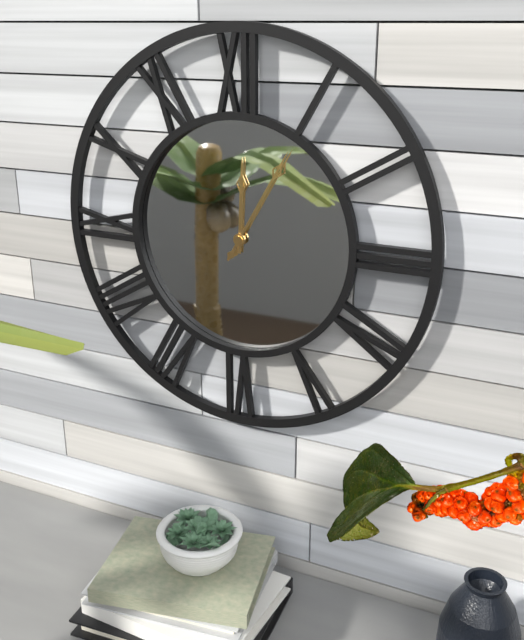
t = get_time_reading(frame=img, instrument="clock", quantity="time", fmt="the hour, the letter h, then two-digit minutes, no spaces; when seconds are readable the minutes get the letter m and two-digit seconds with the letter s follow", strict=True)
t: 12h05
